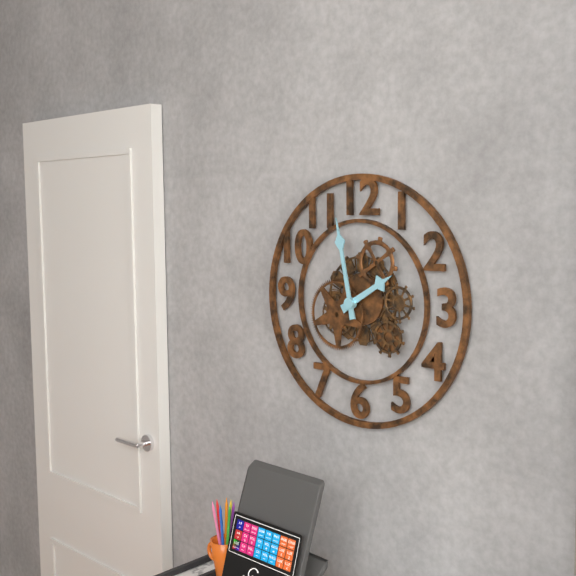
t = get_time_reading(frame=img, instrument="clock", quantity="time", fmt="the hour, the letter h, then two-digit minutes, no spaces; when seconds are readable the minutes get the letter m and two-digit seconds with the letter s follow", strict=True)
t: 1h58
